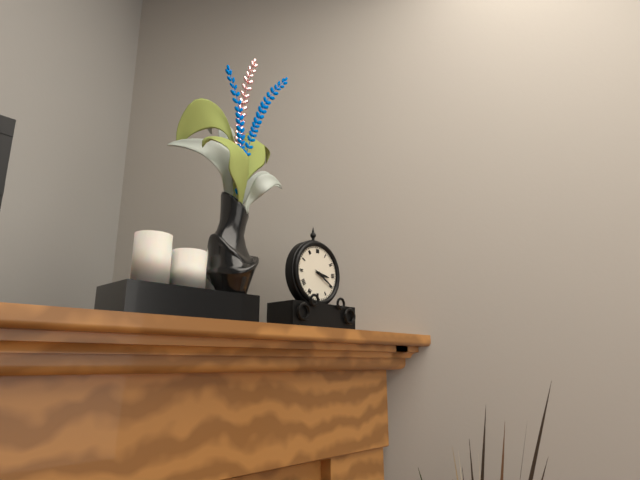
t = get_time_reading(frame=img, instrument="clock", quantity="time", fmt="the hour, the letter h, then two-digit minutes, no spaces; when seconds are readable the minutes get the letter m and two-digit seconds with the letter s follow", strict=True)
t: 3h20
